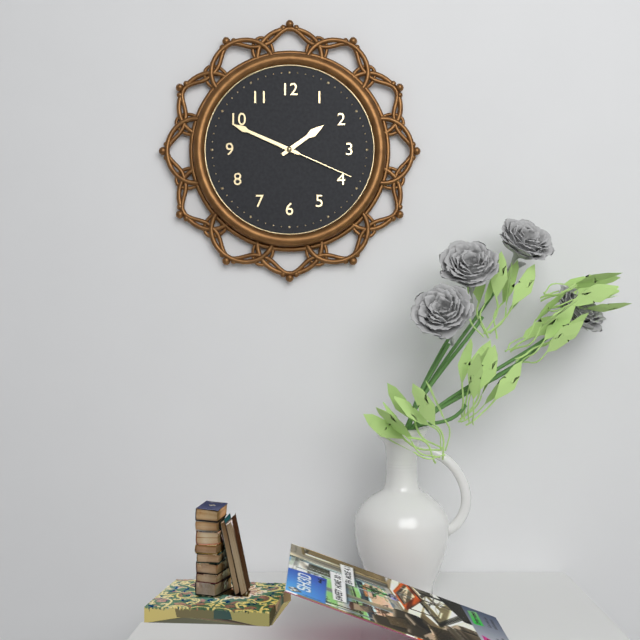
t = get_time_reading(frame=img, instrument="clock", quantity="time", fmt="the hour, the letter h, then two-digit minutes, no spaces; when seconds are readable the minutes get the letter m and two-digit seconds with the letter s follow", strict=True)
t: 1h49m19s
